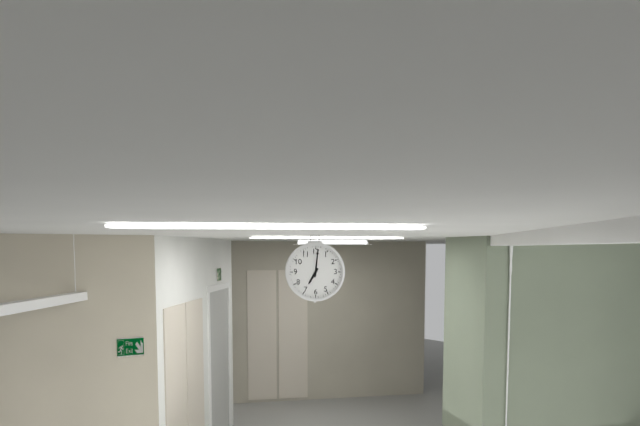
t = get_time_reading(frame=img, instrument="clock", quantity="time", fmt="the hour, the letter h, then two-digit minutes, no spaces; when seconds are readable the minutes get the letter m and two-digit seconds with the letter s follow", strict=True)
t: 7h01
